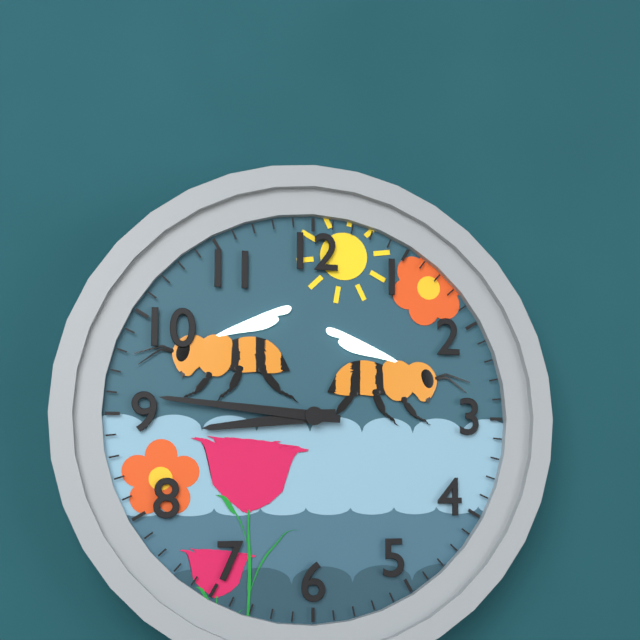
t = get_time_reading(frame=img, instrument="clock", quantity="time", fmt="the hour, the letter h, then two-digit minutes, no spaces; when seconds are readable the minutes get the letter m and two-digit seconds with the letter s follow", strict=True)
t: 8h46
